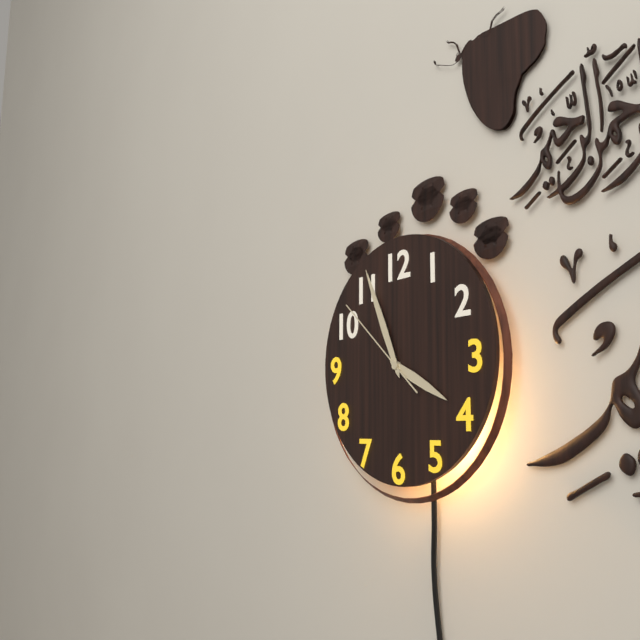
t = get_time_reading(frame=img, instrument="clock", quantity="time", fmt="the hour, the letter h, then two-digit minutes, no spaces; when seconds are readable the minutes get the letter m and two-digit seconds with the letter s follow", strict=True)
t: 3h56m52s
